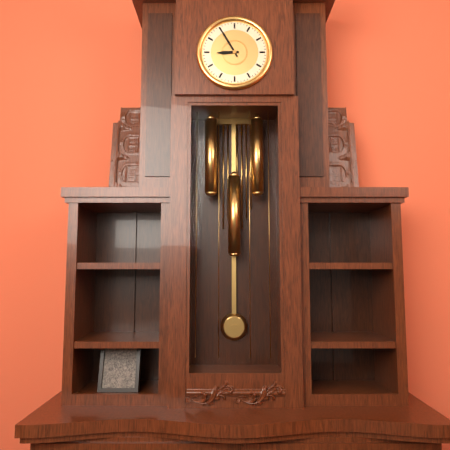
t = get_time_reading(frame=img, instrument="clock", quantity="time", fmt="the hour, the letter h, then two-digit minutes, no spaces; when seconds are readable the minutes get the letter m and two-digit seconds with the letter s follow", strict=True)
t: 8h55
